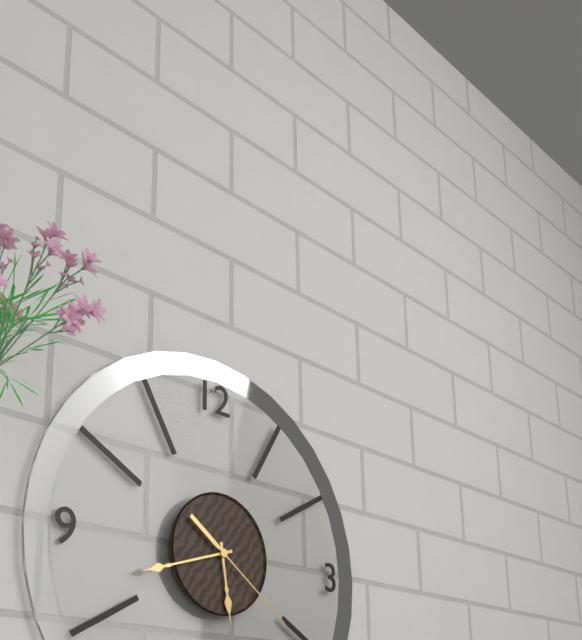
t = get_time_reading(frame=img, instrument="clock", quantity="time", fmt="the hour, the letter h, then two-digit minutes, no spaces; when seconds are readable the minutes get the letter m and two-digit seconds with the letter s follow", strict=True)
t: 5h42m21s
